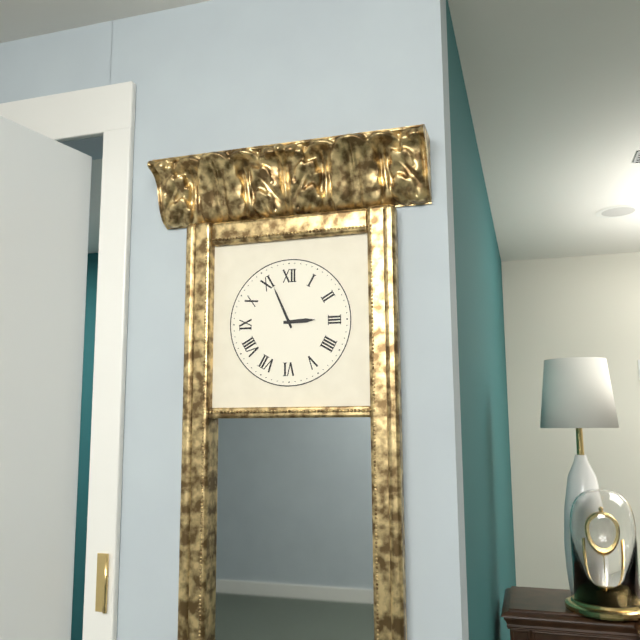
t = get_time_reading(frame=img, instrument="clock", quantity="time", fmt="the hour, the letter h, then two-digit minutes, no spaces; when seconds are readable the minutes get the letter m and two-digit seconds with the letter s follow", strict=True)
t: 2h56
